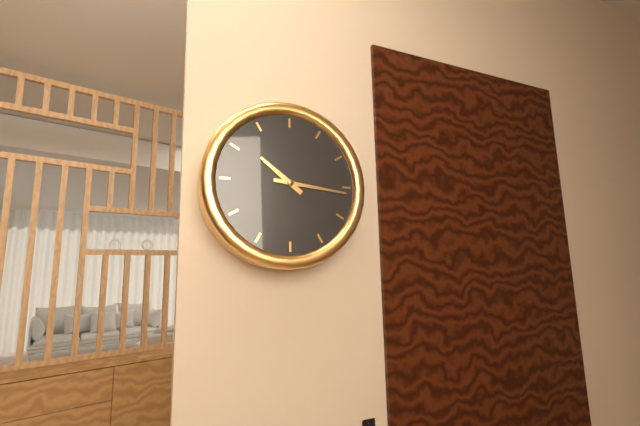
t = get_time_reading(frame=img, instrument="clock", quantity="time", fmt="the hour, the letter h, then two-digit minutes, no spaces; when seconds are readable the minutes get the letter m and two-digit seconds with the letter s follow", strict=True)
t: 10h16
